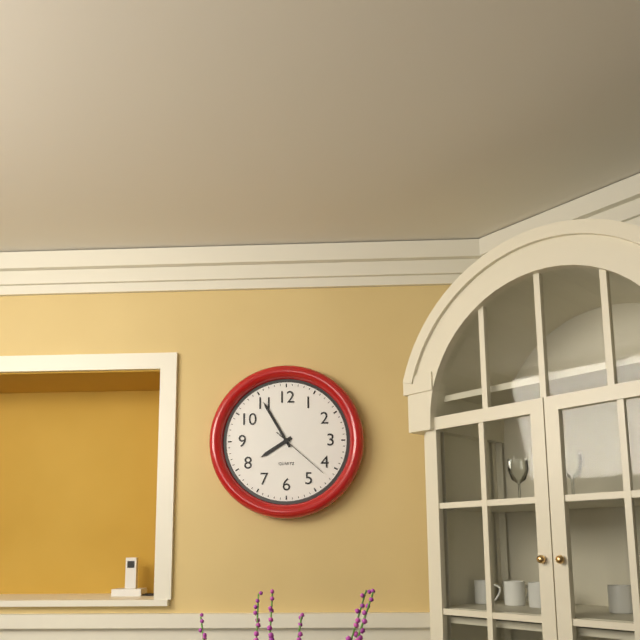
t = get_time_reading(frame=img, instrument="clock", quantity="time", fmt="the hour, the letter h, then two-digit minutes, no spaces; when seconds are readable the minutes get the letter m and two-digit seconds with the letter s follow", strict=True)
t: 7h55m22s
